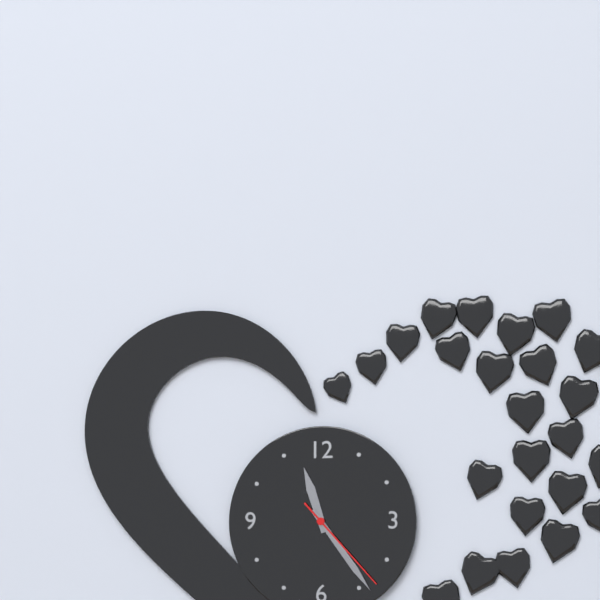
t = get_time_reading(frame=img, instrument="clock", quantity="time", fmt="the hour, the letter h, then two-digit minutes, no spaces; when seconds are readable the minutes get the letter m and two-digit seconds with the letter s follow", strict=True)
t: 11h24m23s
